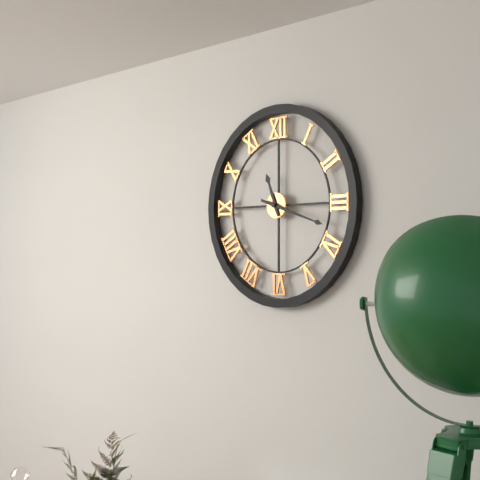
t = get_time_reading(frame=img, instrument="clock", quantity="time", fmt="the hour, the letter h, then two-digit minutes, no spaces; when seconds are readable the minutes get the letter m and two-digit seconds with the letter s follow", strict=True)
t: 11h18
